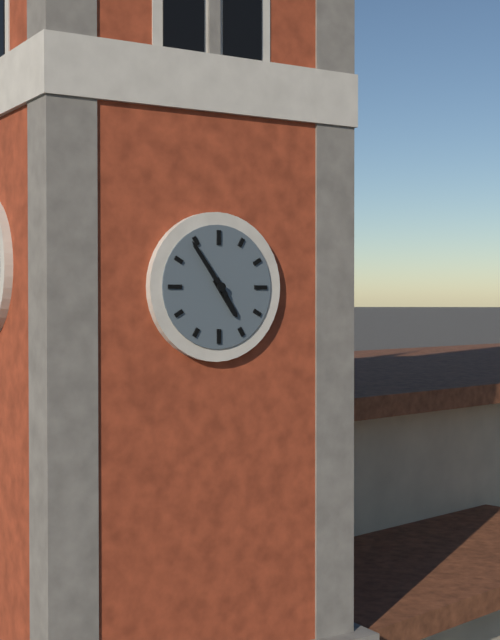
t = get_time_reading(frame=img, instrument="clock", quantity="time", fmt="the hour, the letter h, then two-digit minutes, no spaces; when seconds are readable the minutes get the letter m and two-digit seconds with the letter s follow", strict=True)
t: 4h54
